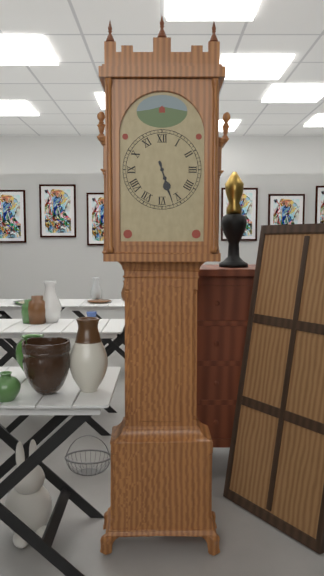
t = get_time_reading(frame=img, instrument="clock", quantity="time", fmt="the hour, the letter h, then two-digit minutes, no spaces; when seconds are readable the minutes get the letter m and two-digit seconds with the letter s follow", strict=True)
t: 5h27
